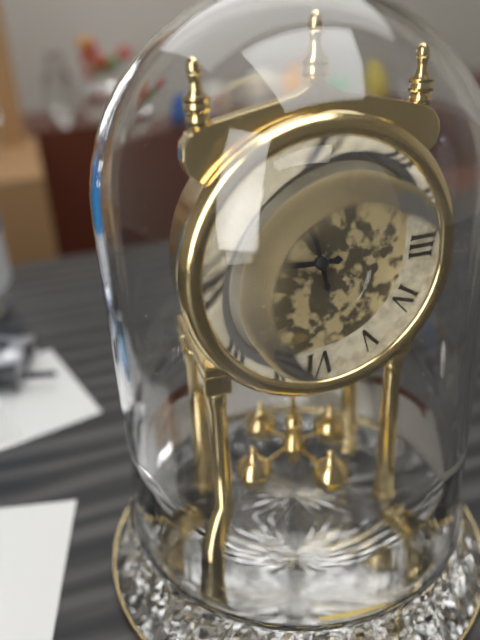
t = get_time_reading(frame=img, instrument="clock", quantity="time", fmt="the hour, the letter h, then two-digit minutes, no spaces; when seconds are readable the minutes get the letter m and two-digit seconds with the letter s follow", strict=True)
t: 8h58
